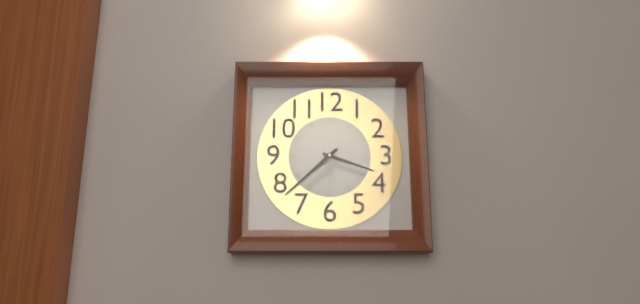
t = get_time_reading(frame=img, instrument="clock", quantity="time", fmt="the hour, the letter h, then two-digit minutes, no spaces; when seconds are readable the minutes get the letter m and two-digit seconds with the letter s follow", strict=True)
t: 3h38
